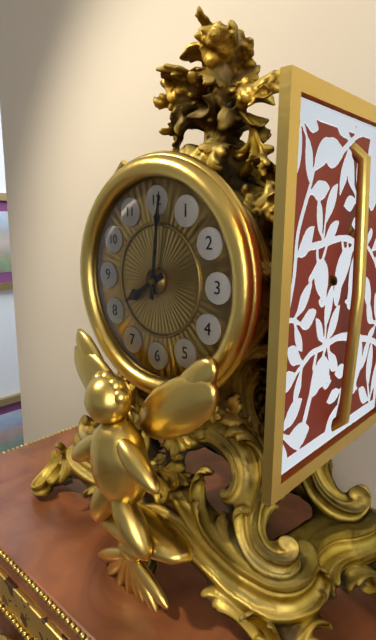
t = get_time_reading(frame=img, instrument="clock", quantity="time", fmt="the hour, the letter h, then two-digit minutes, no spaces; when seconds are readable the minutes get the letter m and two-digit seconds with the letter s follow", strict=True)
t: 8h01
